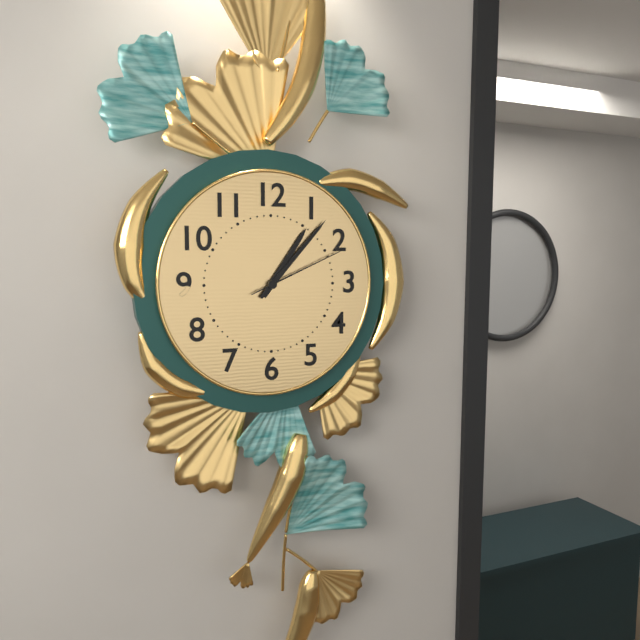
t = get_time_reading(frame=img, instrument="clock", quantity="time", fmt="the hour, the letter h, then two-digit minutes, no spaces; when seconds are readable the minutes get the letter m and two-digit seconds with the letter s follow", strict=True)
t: 1h07m11s
